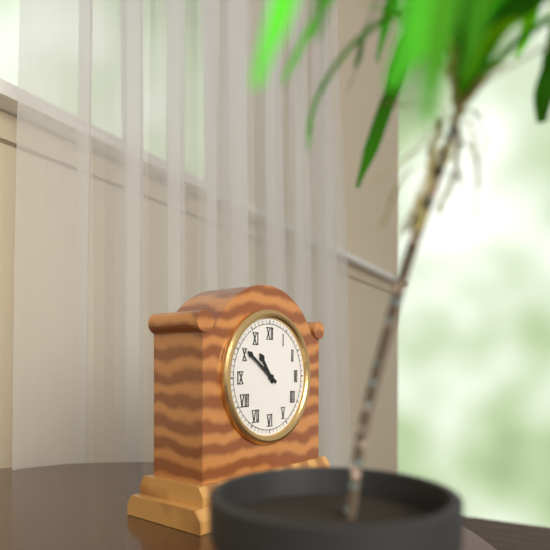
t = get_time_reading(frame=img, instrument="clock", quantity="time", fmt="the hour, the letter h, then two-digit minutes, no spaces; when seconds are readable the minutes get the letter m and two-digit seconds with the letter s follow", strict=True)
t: 10h51
